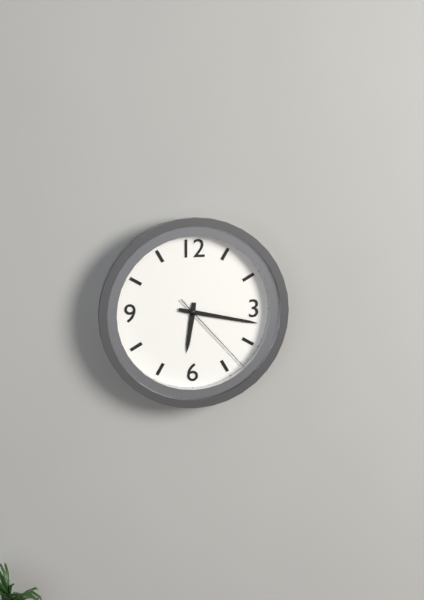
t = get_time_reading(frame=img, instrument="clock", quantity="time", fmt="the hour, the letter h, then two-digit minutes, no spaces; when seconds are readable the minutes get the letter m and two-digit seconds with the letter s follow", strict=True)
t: 6h17m23s
